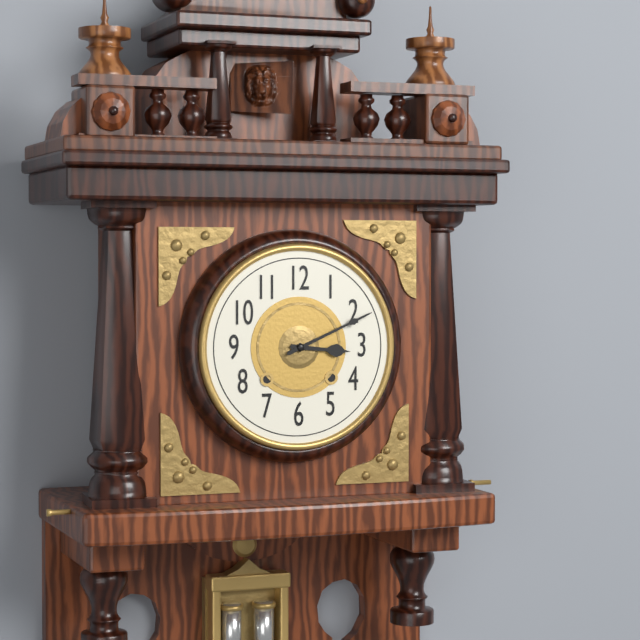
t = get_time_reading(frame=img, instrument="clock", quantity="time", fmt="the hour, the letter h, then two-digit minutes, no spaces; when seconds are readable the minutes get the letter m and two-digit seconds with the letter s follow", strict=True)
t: 3h11
